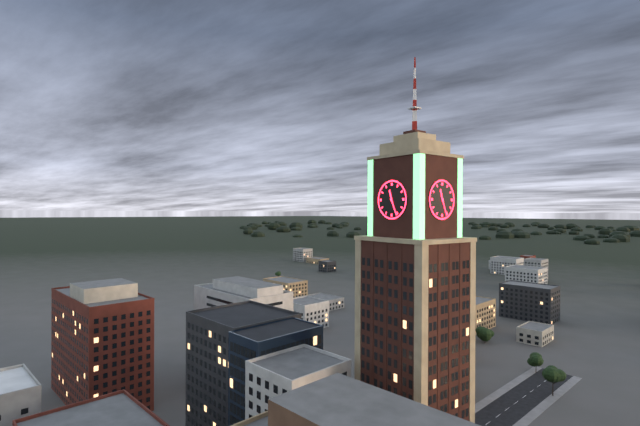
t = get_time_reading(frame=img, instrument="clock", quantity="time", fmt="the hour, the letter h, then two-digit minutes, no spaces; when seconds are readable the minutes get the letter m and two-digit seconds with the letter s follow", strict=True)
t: 11h26
